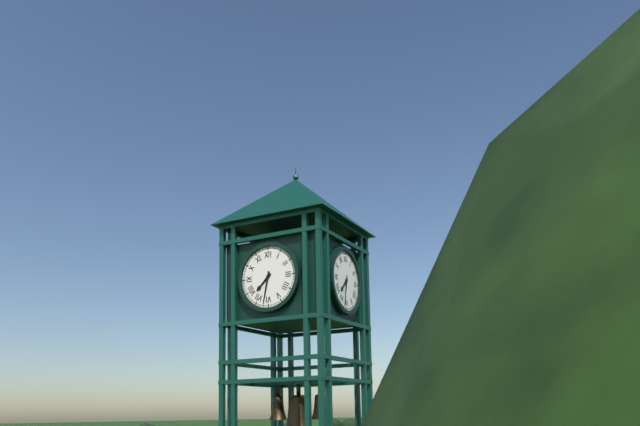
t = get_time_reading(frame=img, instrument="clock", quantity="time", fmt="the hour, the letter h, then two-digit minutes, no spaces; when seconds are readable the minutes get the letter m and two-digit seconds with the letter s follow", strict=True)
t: 7h32
